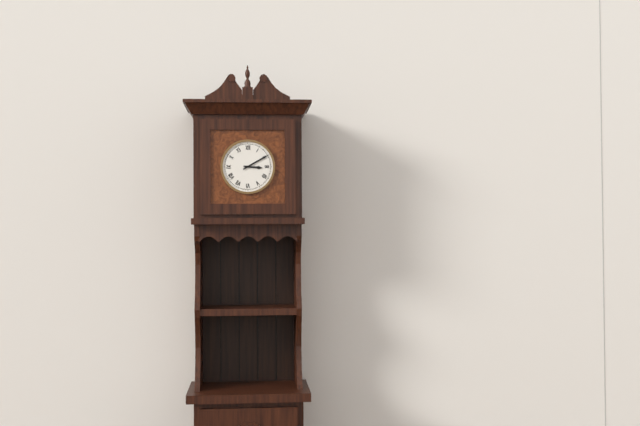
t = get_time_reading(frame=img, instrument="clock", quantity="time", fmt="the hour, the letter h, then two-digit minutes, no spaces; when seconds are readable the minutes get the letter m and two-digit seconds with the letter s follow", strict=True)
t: 3h10
